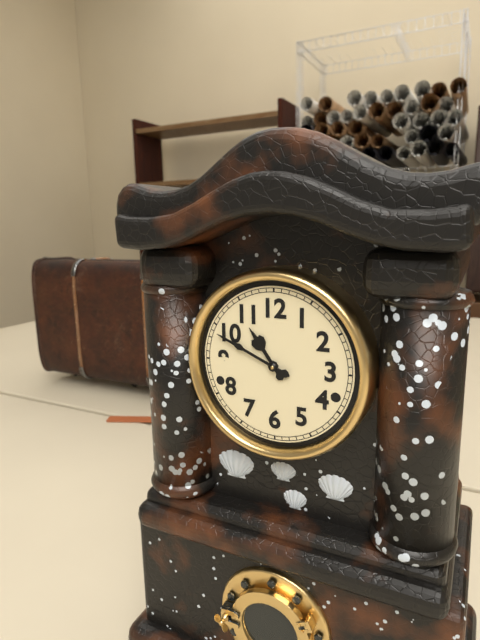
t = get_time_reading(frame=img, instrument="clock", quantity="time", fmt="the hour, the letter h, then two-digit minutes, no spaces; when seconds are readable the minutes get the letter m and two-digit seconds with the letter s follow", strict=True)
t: 10h49
